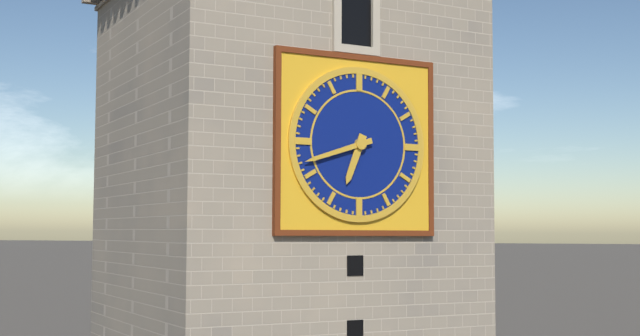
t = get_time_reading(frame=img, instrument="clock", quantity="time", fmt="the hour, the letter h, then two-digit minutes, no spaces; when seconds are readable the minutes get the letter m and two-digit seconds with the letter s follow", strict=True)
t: 6h42
